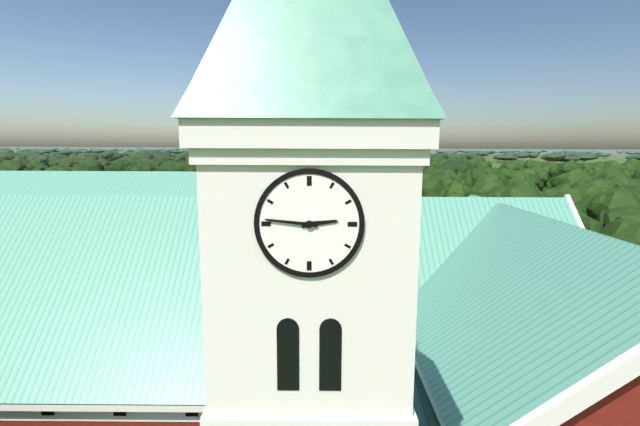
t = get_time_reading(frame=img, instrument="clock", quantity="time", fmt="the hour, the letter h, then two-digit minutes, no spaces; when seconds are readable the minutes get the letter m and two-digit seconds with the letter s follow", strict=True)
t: 2h46
